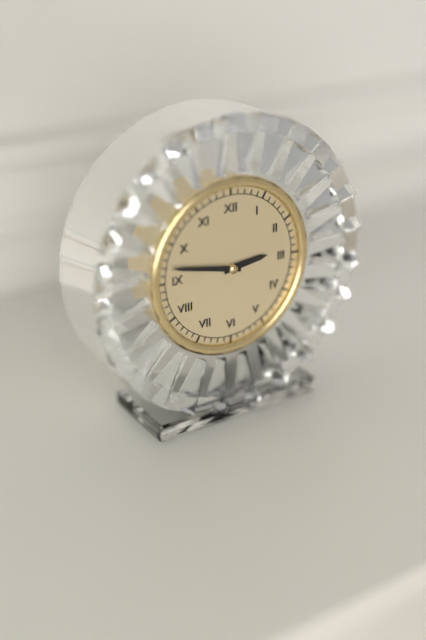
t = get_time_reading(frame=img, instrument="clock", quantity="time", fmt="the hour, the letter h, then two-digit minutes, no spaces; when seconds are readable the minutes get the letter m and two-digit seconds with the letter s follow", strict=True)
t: 2h47
